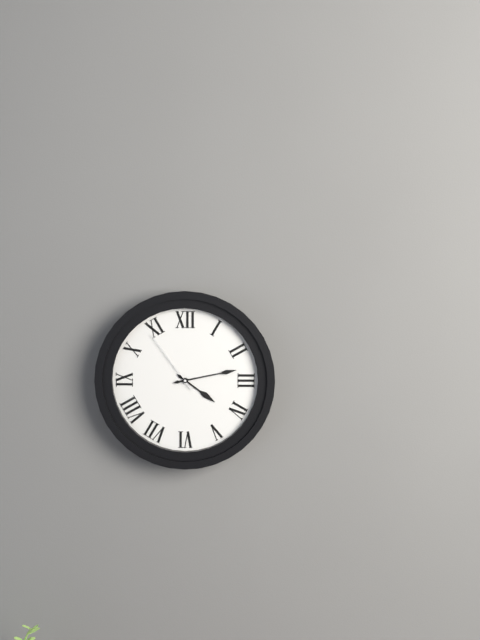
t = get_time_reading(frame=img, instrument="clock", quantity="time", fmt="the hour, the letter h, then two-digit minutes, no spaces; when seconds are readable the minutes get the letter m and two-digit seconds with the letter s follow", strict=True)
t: 4h13m54s
